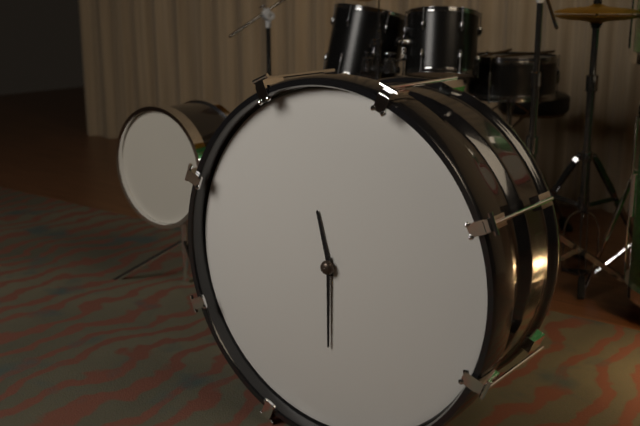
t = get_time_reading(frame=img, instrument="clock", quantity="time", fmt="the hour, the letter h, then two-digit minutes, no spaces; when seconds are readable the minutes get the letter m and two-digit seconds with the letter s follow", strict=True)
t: 11h30
